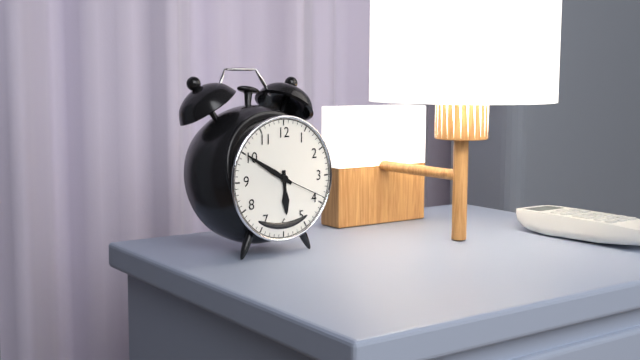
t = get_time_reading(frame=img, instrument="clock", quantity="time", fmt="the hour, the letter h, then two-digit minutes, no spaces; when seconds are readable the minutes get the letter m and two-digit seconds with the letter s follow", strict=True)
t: 5h50m19s
